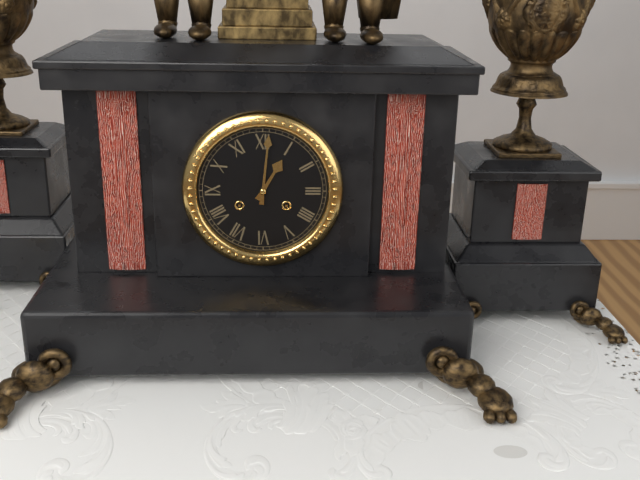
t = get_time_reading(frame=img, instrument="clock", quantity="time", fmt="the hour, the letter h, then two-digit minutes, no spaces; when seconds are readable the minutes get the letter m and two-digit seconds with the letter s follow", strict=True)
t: 1h01
